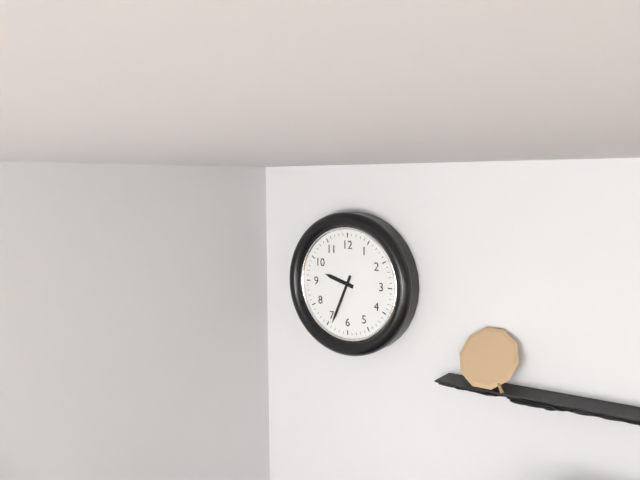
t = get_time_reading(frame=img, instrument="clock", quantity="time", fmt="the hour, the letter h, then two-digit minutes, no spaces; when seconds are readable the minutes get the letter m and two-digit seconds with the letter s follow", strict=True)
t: 9h34
